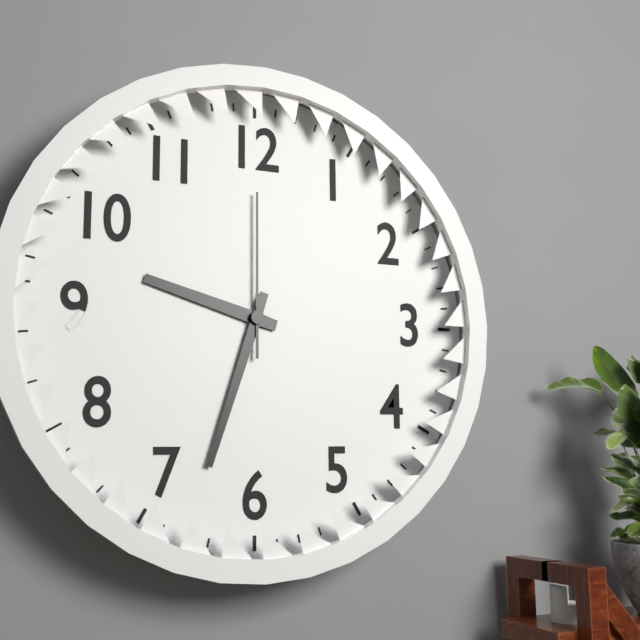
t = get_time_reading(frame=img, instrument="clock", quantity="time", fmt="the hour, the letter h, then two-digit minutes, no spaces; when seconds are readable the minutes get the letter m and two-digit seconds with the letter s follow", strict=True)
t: 9h33m00s
